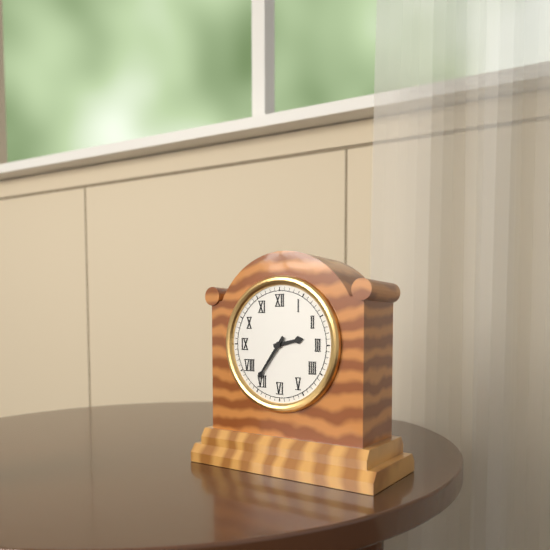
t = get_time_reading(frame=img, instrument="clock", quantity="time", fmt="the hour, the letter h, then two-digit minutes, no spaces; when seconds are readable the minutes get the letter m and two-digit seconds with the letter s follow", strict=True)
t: 2h36
